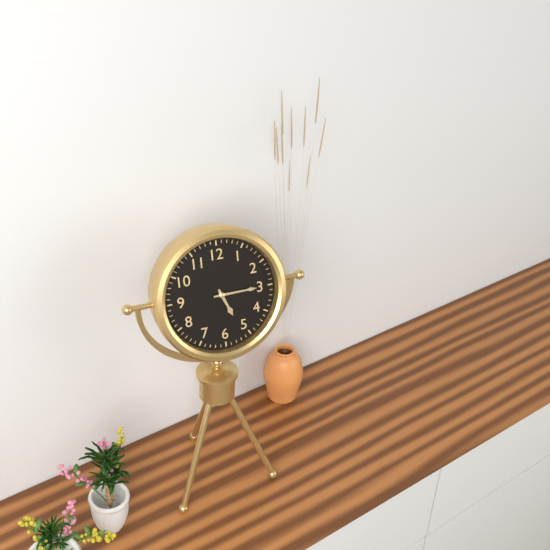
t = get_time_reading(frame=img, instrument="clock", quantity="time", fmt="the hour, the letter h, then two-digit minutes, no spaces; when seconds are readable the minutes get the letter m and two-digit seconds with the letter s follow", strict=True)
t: 5h15
